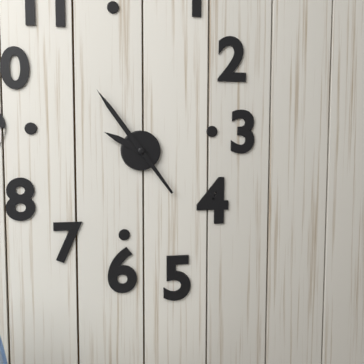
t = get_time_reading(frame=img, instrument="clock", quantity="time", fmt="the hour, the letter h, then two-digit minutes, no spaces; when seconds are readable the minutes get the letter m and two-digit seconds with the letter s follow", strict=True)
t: 9h54
